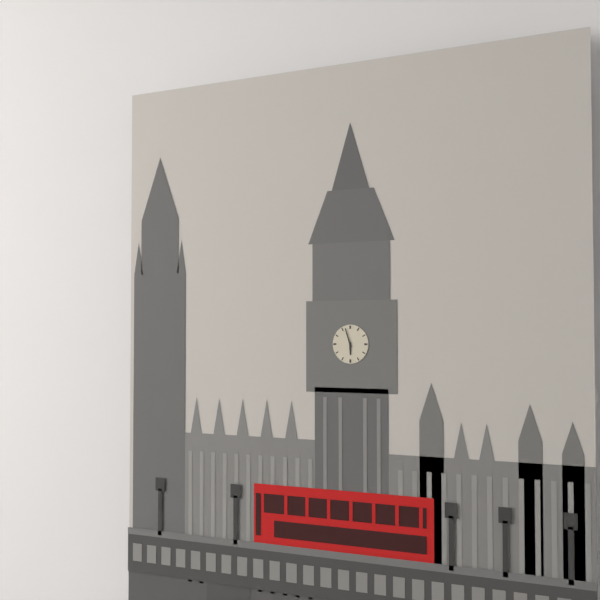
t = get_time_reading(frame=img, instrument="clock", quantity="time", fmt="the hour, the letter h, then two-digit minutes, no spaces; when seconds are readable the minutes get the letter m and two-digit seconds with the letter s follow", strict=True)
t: 5h57
